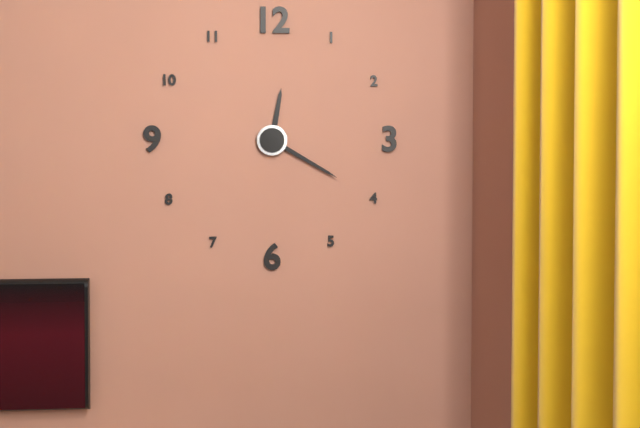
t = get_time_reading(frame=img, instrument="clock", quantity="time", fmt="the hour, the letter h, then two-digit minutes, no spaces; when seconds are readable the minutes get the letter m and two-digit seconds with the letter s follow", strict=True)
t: 12h20
